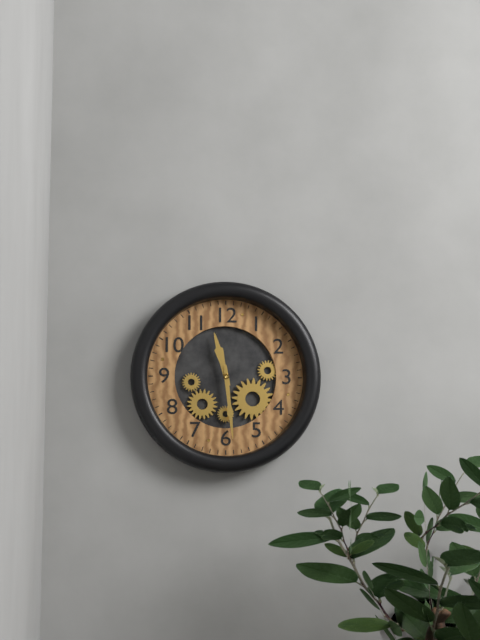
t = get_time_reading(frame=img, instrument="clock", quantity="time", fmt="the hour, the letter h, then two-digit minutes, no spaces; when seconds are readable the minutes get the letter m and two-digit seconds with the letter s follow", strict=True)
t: 11h29
